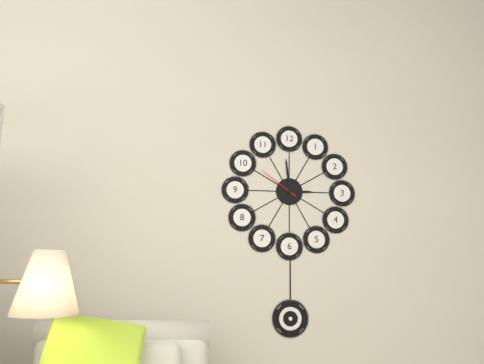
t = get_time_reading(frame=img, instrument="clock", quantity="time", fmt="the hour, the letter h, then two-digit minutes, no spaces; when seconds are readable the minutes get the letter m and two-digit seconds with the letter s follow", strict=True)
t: 2h59
